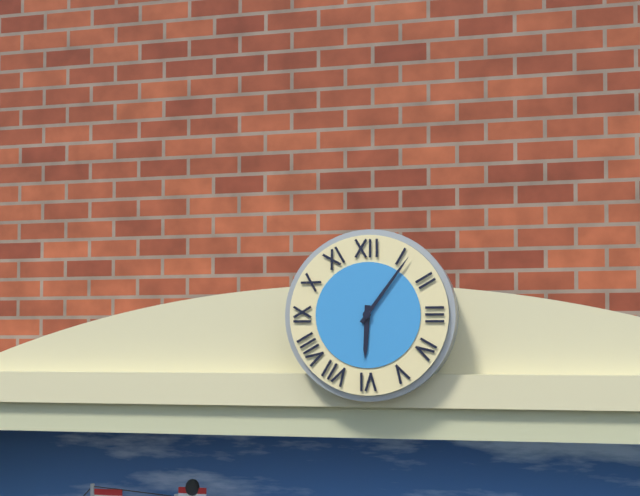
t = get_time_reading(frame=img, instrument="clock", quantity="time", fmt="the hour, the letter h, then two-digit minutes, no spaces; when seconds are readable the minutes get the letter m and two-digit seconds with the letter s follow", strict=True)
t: 6h06
